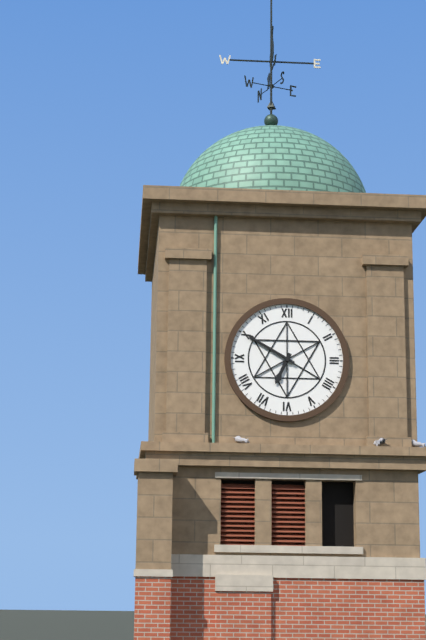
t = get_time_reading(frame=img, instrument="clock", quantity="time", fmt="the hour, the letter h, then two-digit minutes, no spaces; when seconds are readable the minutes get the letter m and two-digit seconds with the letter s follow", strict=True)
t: 6h50
